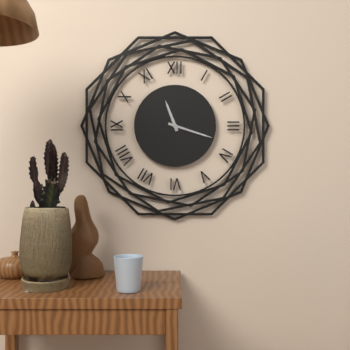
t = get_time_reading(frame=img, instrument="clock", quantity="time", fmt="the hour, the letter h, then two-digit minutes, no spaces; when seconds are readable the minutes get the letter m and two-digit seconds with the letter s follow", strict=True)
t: 11h18
